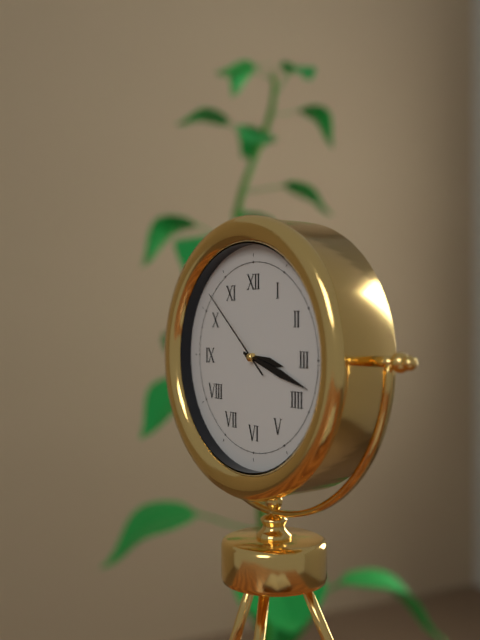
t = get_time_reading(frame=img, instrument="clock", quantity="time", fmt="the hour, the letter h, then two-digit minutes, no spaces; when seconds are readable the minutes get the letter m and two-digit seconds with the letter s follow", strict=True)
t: 3h18m52s
